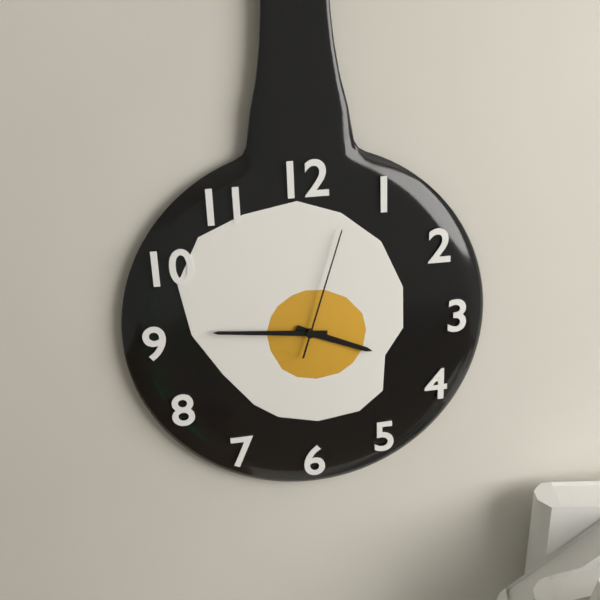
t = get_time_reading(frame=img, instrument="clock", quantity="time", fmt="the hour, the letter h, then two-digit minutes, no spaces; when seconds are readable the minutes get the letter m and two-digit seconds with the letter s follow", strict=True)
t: 3h46m03s
